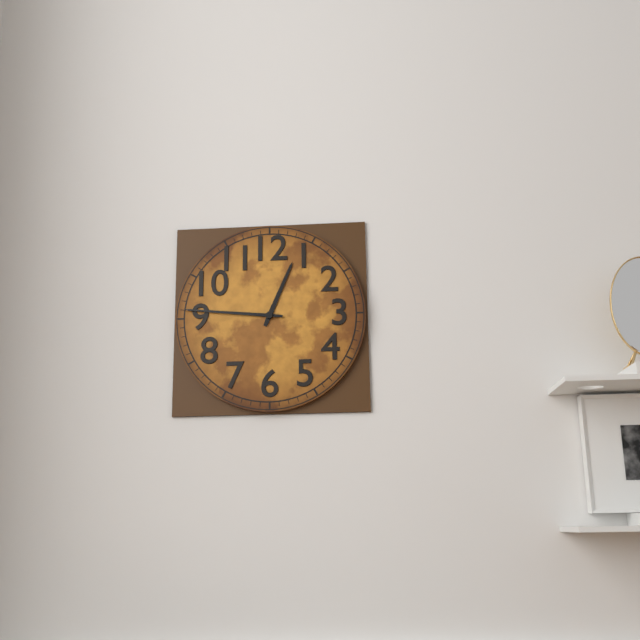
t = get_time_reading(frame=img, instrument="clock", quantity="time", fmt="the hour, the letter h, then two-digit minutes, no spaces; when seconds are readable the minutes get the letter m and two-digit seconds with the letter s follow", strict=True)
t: 12h46
